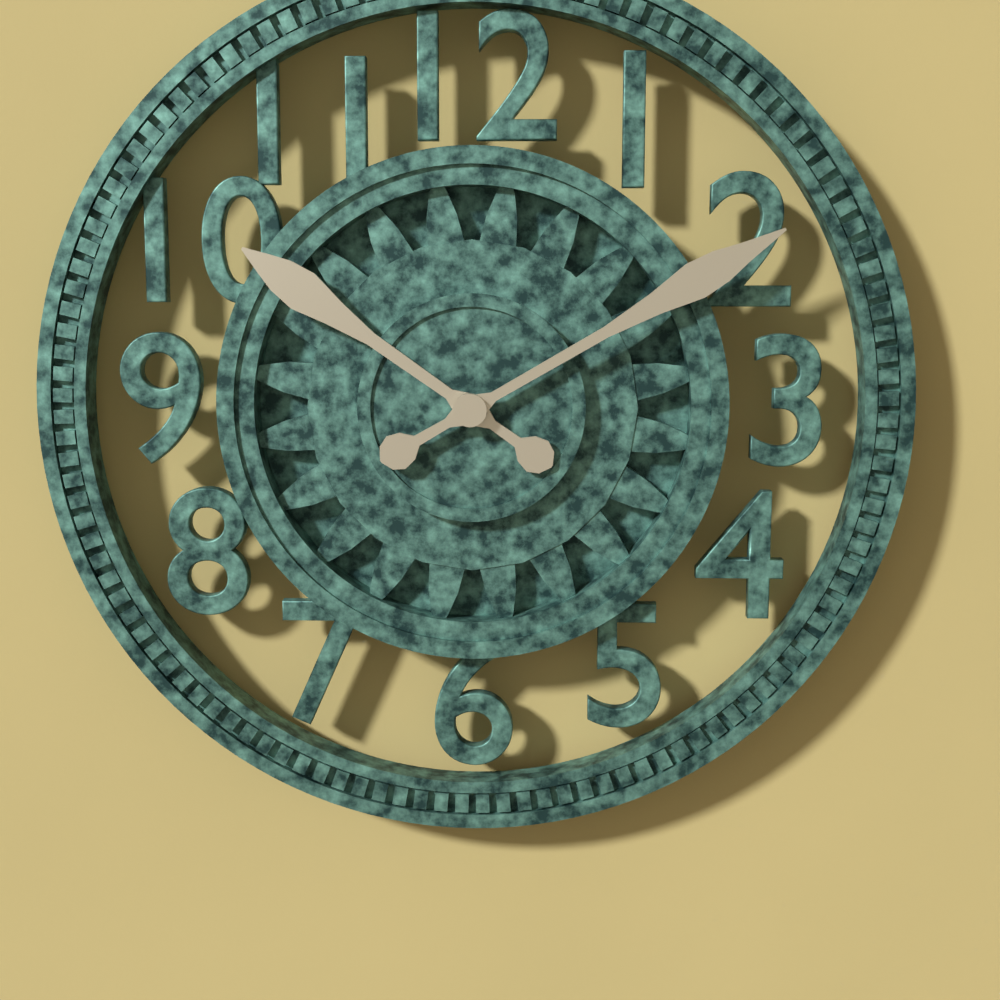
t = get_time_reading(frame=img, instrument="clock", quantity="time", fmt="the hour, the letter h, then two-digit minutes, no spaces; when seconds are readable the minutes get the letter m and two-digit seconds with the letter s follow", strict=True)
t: 10h10
